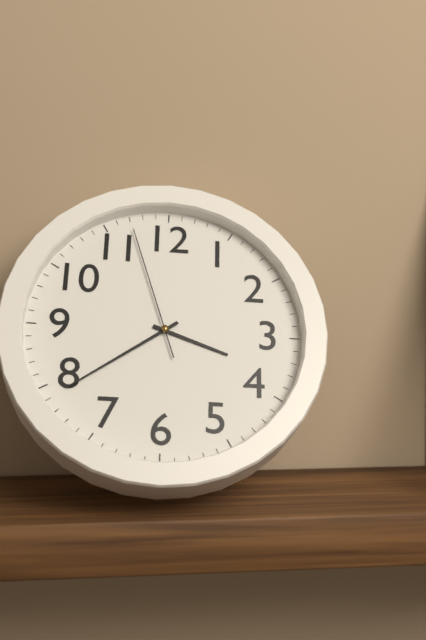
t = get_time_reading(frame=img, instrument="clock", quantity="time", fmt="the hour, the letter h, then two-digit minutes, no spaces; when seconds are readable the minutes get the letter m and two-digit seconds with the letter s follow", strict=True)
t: 3h39m57s
